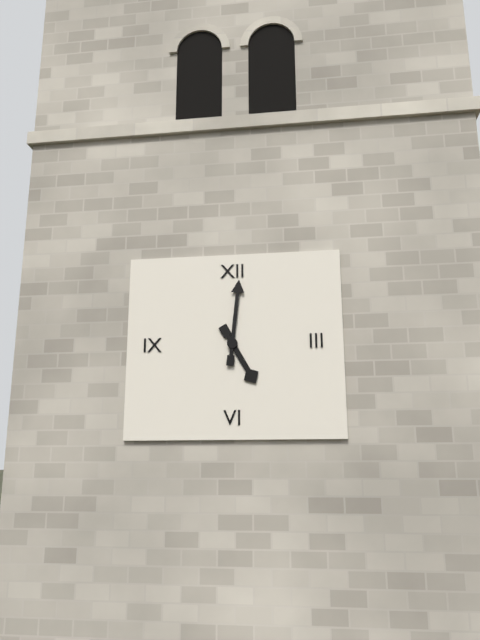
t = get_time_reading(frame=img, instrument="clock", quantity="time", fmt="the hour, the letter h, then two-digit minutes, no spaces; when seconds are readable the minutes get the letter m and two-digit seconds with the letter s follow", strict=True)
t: 5h01
